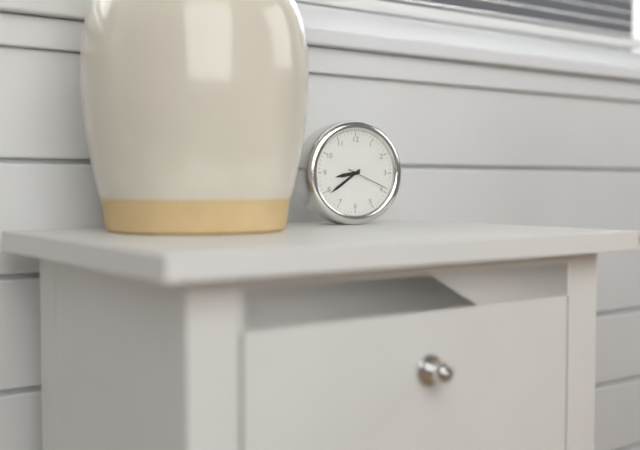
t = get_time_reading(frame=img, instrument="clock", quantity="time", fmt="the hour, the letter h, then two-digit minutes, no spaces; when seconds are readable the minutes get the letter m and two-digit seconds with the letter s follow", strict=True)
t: 8h39
